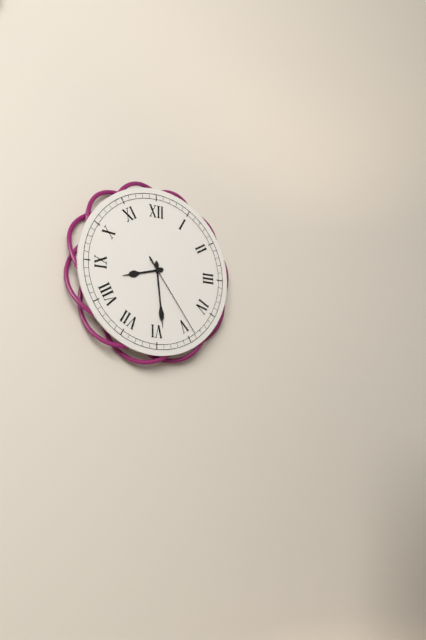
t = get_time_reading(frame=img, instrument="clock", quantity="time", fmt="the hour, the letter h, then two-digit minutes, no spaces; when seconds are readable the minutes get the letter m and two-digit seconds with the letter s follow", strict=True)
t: 8h29m24s
